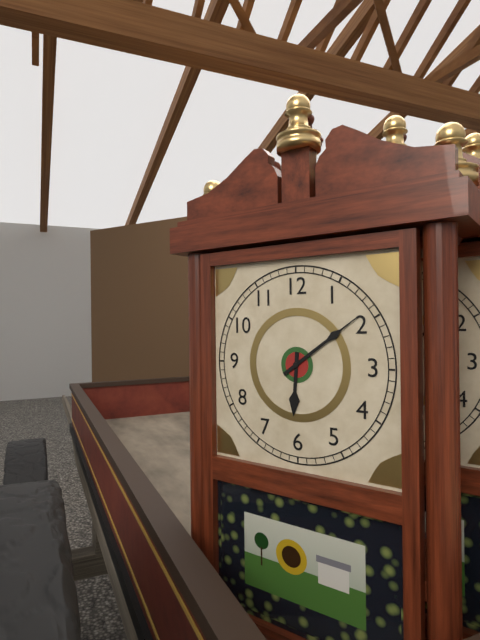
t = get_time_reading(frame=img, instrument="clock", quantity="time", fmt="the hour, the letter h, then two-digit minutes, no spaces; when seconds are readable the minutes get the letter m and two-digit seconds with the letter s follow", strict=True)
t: 6h09
